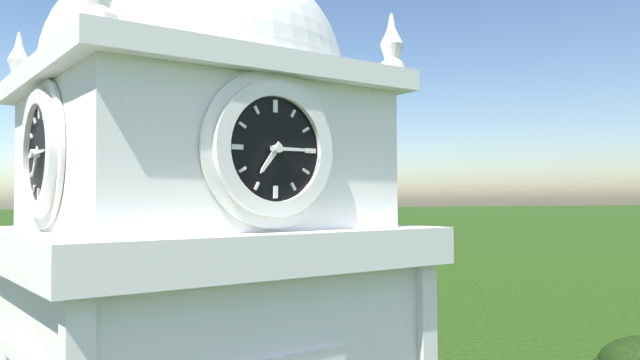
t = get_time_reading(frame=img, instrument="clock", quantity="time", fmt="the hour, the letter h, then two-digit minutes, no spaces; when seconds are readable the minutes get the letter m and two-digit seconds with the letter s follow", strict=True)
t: 7h15
